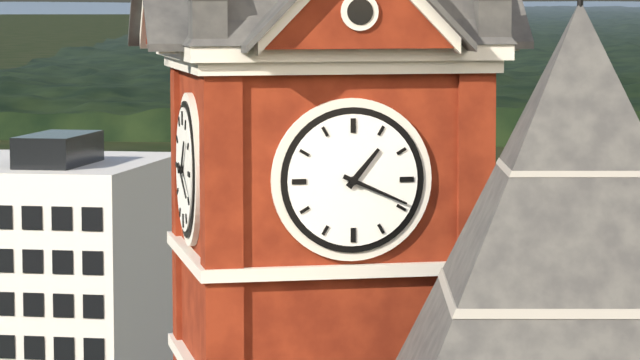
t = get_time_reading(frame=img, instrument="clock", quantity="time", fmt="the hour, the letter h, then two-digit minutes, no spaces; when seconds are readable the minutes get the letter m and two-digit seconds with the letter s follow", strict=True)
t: 1h19
